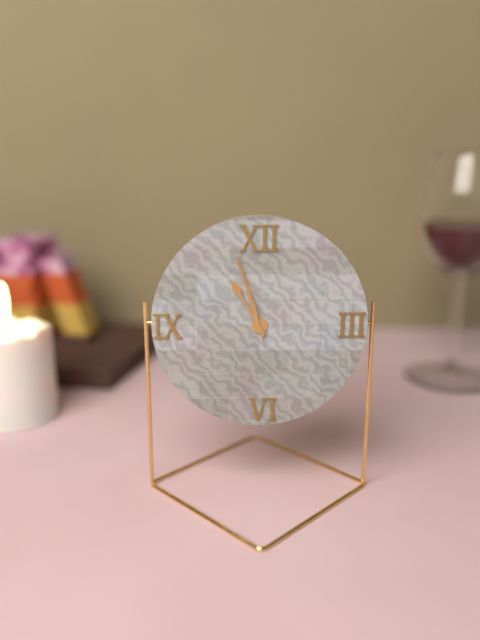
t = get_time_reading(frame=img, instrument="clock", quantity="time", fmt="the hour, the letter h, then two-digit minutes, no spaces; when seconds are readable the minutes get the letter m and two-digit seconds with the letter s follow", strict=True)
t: 10h57m58s
